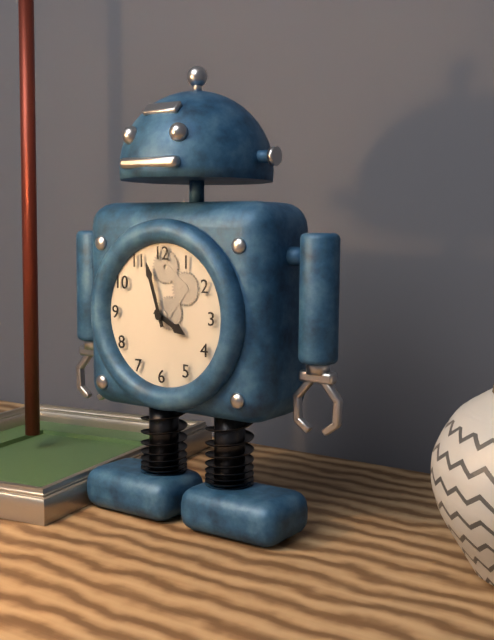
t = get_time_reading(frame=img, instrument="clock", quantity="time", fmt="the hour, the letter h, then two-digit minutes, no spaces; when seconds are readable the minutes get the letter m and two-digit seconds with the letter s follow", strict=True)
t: 3h57
